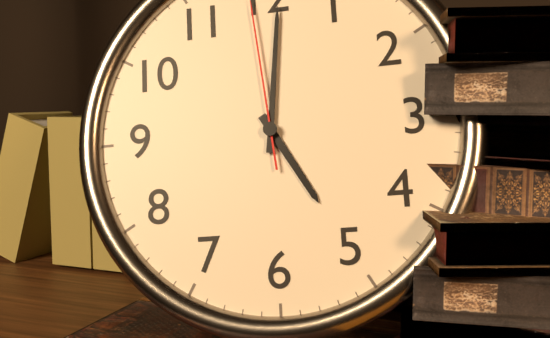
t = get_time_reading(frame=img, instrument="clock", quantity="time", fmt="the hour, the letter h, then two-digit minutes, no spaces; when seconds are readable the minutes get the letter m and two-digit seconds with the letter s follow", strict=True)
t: 5h01
